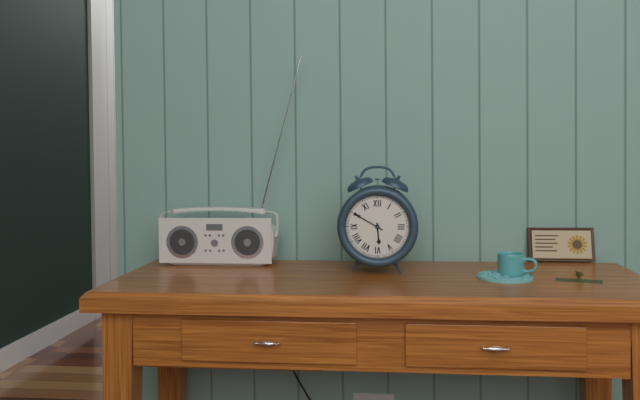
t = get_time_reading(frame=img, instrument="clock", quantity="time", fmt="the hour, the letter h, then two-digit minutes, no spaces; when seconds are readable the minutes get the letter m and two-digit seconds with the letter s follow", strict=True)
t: 5h50
